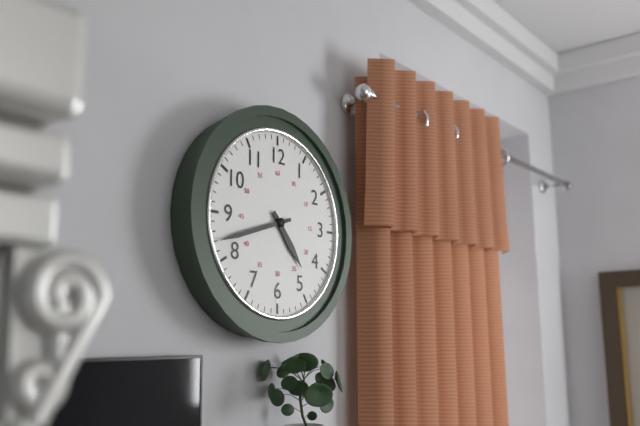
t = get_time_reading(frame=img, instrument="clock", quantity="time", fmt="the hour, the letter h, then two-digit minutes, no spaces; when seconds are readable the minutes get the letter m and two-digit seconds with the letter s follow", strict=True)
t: 4h42
